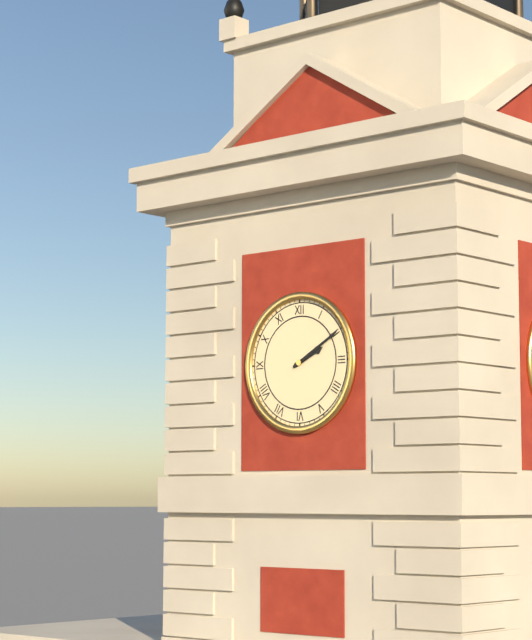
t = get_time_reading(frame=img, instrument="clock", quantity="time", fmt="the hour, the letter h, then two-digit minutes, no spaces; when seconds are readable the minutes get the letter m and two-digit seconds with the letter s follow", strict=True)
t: 2h10
